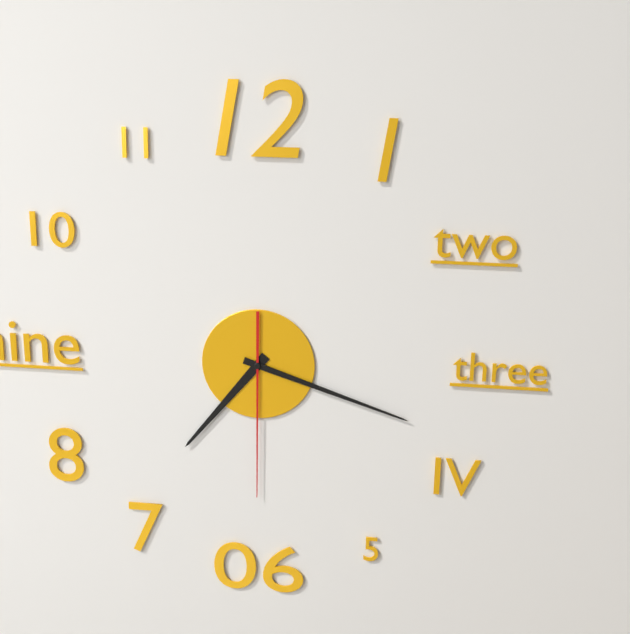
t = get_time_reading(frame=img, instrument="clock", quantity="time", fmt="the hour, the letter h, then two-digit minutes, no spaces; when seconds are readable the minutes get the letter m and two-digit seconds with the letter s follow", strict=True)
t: 7h18m30s
